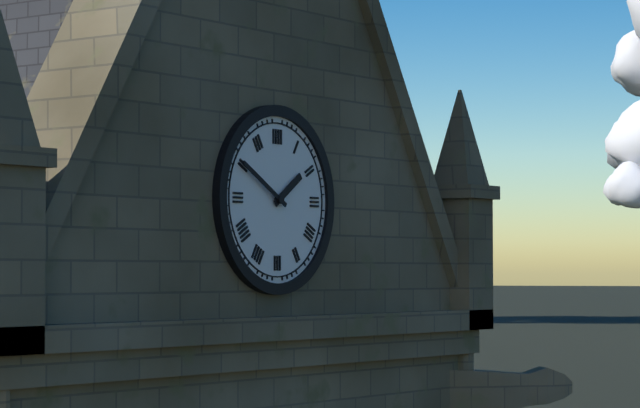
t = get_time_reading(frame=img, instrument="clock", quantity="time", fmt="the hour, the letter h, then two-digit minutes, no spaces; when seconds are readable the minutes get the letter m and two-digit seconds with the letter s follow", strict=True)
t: 1h50
